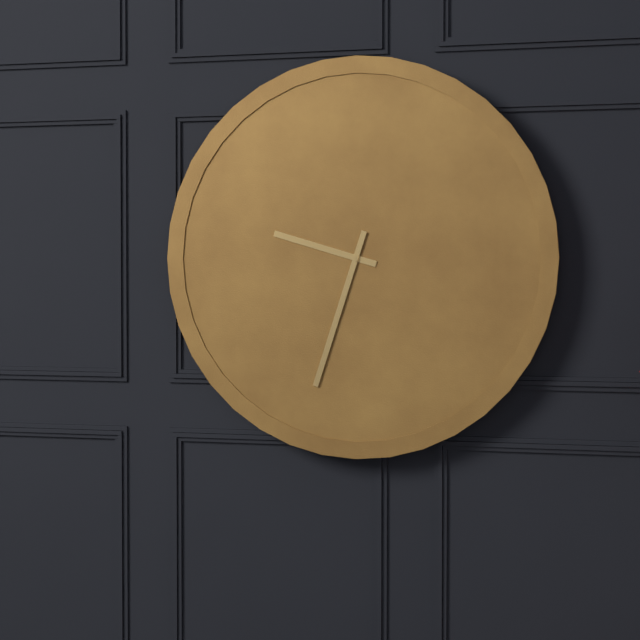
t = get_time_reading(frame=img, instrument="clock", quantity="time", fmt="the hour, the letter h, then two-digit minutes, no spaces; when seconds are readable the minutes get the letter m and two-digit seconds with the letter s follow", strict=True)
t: 9h33
